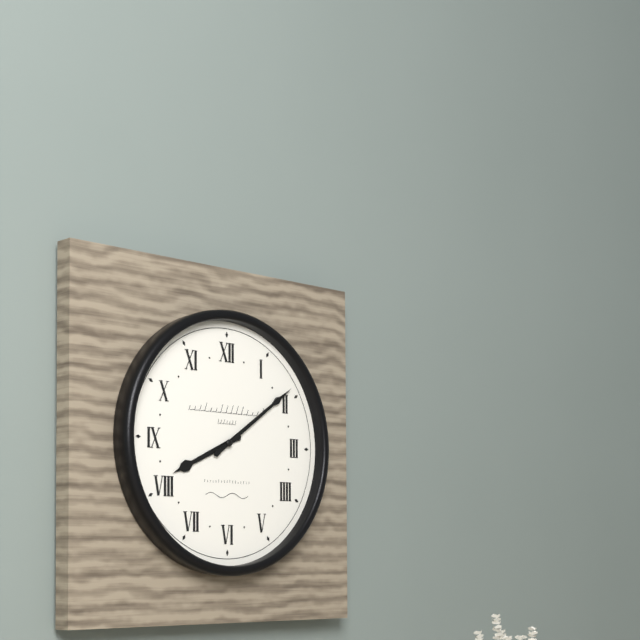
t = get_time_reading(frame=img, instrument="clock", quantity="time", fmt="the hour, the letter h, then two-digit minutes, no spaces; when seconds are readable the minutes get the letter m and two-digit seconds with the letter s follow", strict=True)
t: 8h09
